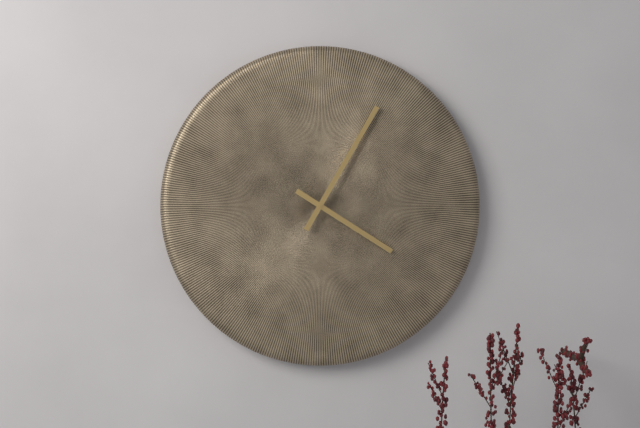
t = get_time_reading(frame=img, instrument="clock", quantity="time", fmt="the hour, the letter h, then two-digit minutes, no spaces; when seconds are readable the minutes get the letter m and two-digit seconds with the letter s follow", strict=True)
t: 4h05
